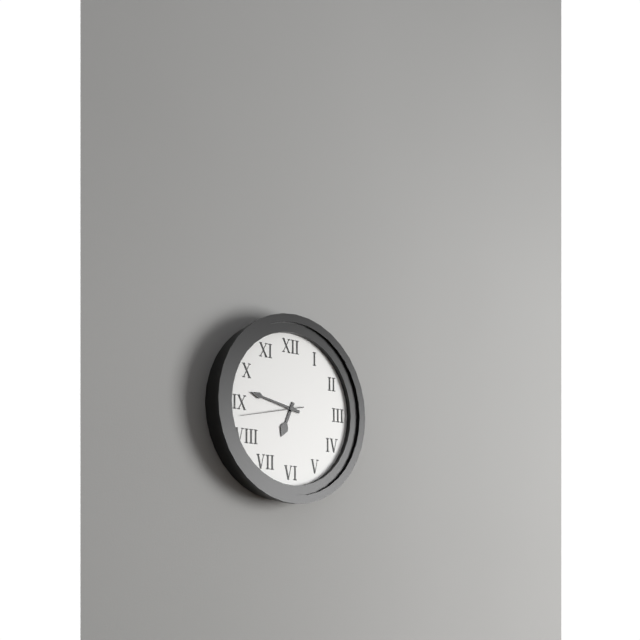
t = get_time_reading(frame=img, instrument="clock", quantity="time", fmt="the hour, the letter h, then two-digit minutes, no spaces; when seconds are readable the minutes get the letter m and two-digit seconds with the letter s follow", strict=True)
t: 6h47m43s
